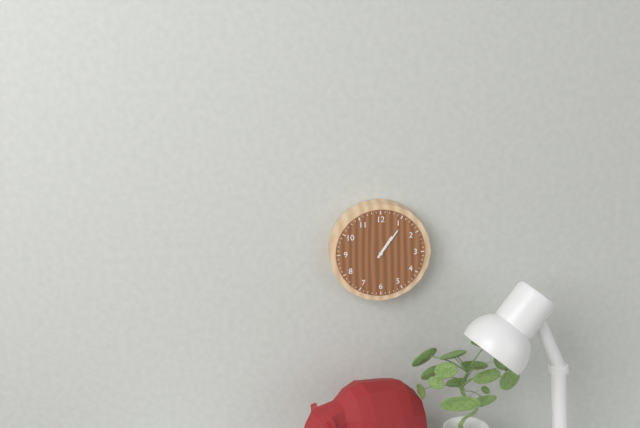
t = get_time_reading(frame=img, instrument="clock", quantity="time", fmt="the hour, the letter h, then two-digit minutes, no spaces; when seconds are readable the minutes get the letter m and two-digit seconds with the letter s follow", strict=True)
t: 1h06
